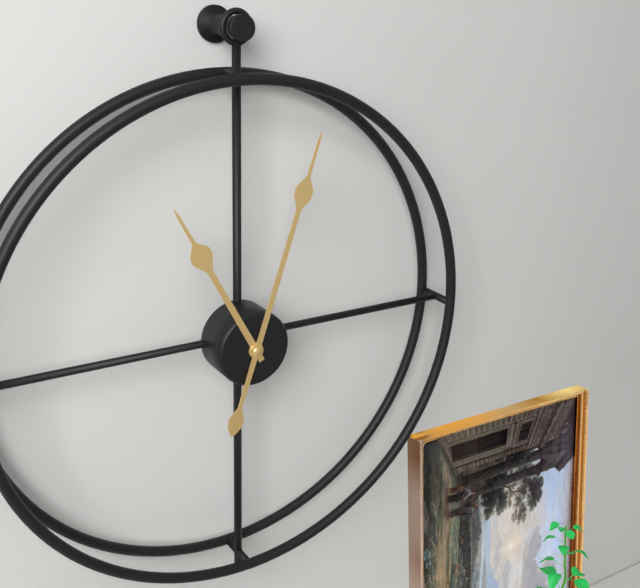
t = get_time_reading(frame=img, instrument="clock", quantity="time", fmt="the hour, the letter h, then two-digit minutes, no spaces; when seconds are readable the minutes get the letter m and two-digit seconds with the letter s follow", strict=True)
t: 11h03
